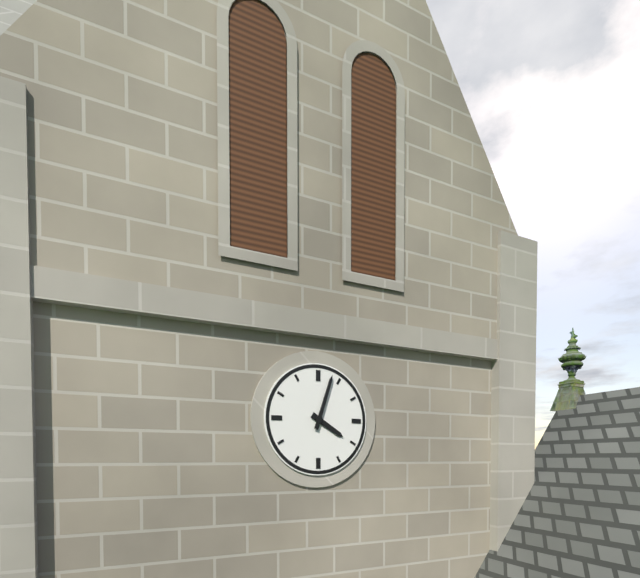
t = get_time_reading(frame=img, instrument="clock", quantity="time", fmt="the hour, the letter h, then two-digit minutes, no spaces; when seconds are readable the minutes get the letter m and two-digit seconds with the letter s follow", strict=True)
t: 4h03
